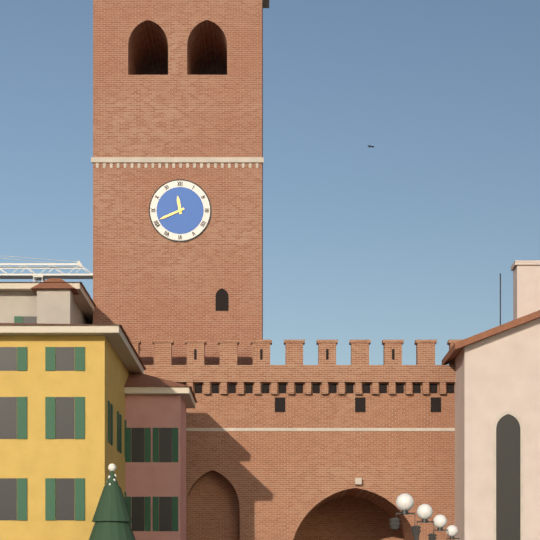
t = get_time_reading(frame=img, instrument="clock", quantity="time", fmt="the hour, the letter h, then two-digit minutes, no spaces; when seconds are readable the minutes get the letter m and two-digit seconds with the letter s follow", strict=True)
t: 11h41
